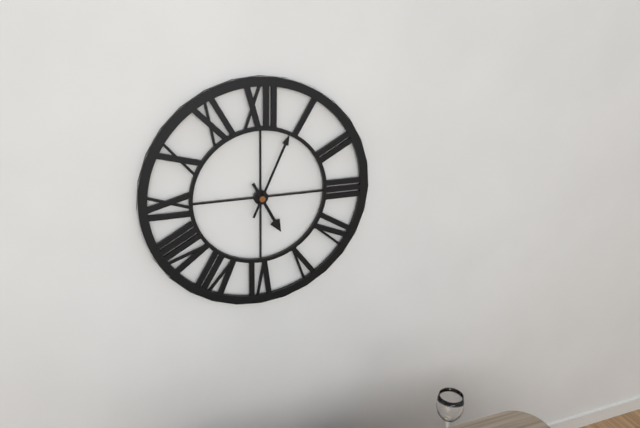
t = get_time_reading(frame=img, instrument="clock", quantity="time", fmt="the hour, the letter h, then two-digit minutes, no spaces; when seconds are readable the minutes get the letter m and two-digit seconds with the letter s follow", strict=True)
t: 5h04
